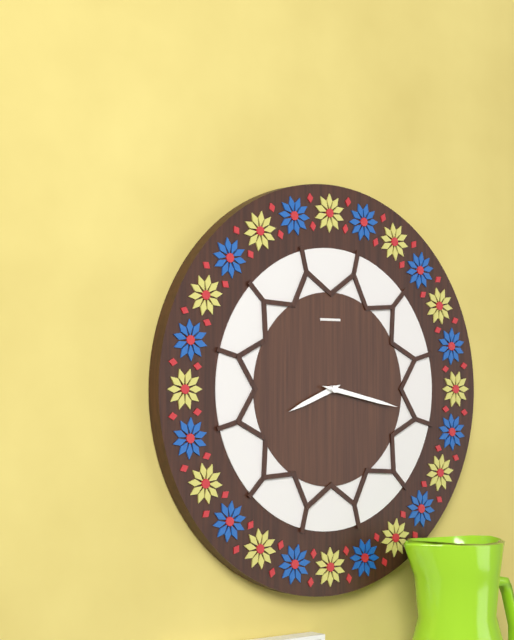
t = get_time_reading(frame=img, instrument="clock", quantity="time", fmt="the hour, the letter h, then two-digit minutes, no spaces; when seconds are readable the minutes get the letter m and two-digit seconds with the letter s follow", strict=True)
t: 8h17
